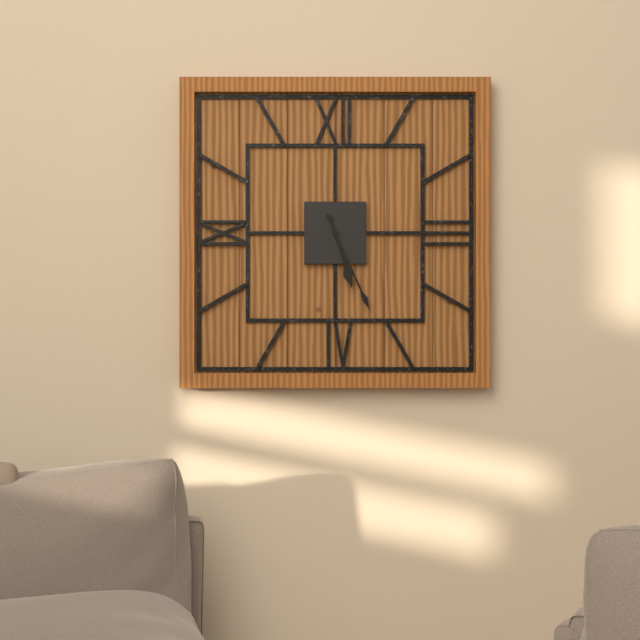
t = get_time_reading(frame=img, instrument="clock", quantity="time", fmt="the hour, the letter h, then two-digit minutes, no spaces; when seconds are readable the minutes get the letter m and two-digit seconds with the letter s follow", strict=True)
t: 5h26
